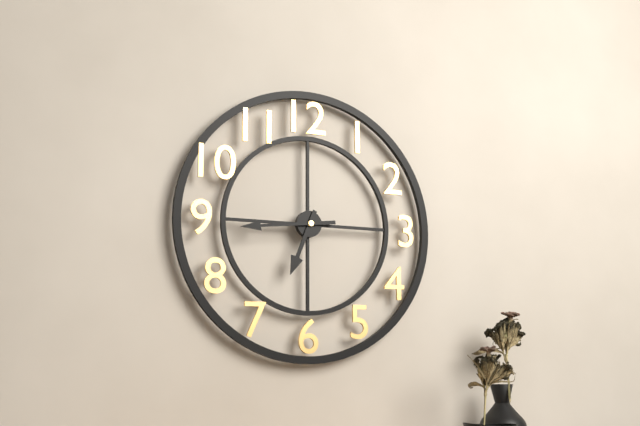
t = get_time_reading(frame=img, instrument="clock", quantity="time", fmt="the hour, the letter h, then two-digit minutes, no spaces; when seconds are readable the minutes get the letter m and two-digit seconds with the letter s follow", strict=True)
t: 6h44
